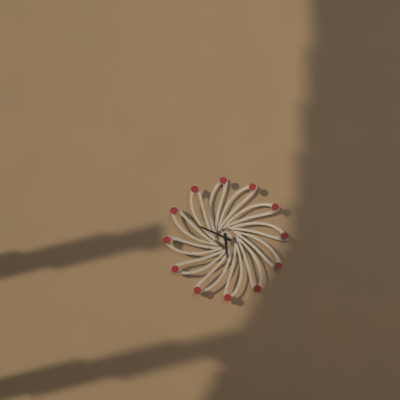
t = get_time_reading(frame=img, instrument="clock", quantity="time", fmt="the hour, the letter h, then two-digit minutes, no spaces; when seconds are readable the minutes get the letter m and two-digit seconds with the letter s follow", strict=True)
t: 5h49
